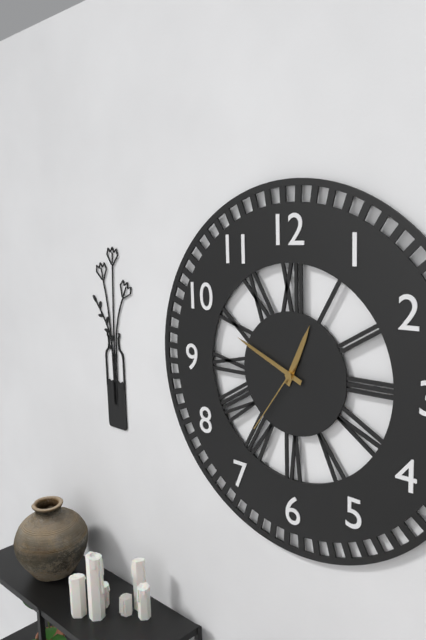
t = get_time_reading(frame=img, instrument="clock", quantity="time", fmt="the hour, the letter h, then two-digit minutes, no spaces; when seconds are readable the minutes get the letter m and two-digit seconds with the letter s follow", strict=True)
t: 12h49m36s
